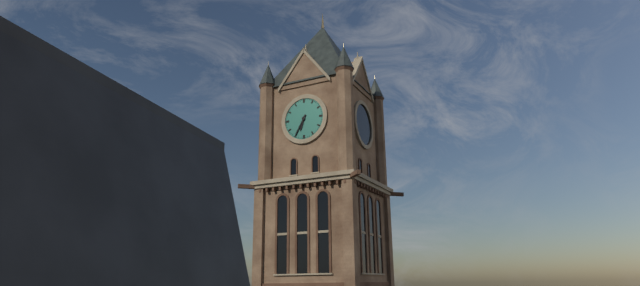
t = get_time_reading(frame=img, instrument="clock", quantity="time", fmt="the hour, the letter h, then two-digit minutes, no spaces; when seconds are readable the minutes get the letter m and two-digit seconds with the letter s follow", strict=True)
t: 6h35
